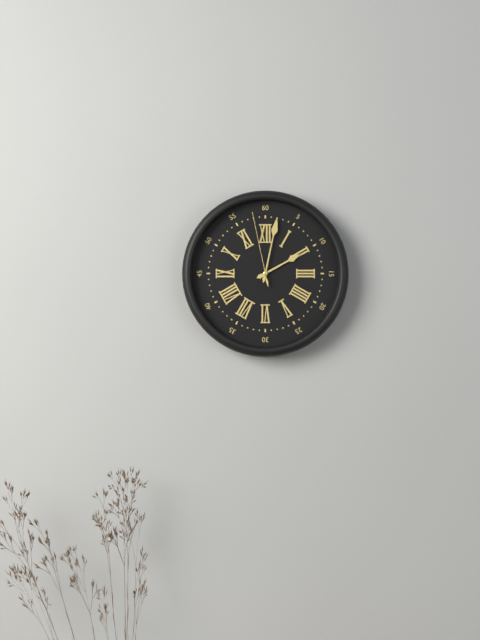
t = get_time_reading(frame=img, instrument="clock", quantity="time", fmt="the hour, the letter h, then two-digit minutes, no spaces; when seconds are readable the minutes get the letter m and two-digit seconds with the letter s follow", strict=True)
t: 2h02m58s
